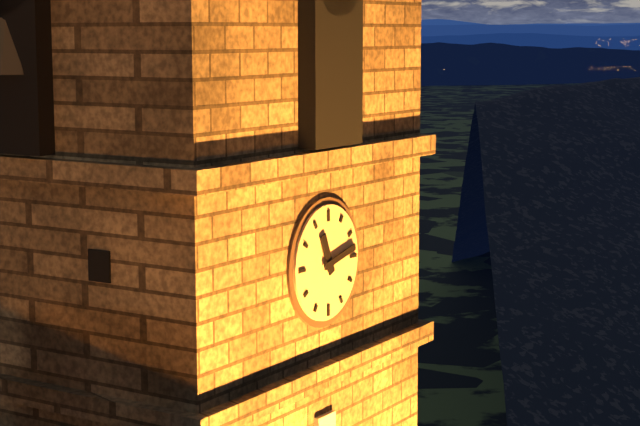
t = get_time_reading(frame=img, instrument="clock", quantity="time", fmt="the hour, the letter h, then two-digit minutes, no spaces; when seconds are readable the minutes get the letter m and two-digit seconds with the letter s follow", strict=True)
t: 11h13
